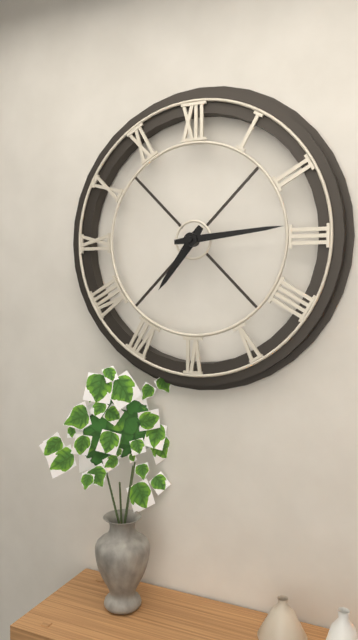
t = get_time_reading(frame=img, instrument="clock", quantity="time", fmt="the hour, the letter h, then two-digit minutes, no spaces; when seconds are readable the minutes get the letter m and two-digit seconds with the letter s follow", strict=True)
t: 7h14
